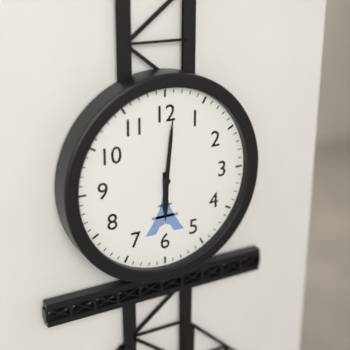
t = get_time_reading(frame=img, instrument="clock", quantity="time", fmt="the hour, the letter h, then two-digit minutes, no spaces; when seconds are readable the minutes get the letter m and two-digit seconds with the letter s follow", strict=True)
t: 6h01
